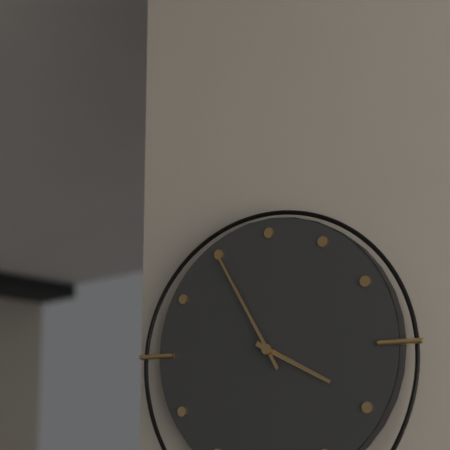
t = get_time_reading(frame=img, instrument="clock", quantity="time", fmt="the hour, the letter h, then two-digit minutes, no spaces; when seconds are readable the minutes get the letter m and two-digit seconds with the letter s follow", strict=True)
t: 3h55
